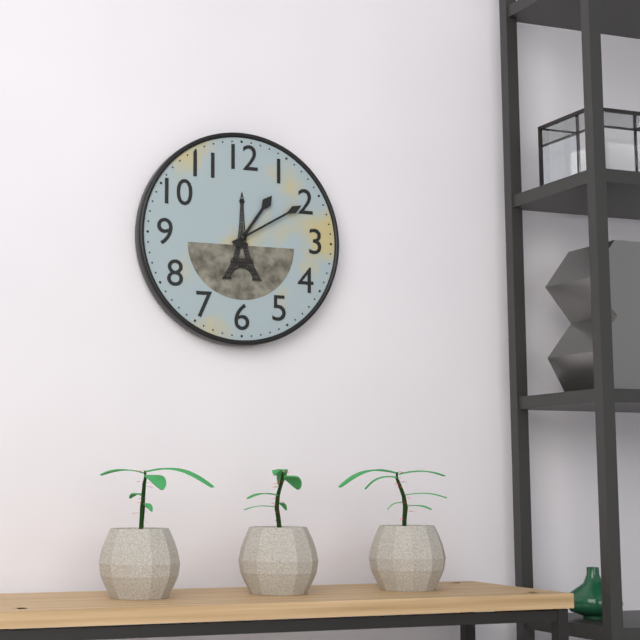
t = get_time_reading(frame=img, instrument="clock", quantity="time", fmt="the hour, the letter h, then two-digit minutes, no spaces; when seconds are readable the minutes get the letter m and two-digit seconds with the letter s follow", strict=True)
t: 1h10
